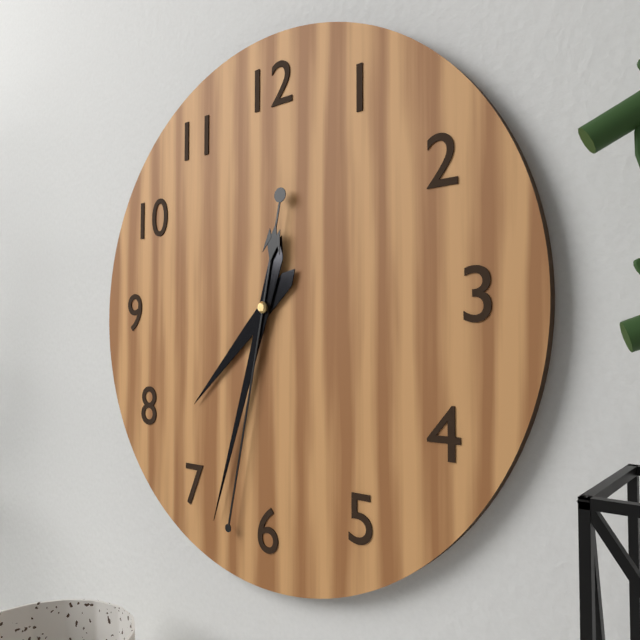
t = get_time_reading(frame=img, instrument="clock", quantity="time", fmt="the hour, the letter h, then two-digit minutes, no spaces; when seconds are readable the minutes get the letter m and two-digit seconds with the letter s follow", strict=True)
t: 7h33m32s
